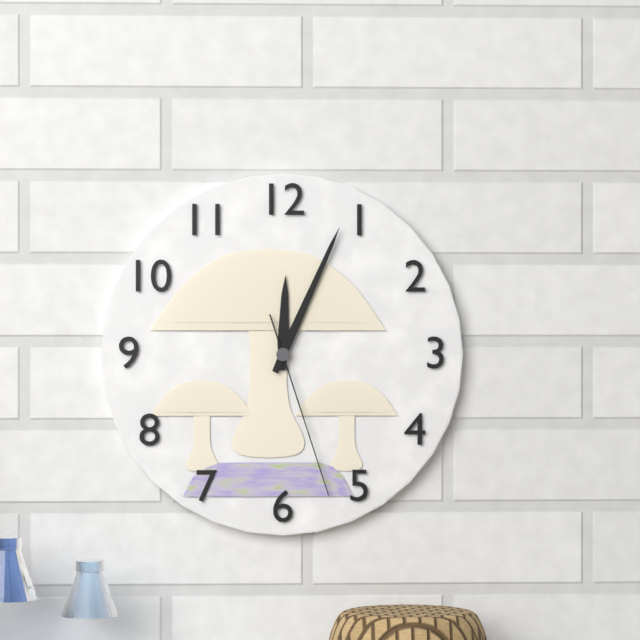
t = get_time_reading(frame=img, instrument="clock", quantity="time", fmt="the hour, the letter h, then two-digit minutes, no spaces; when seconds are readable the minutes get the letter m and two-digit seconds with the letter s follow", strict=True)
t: 12h04m27s
